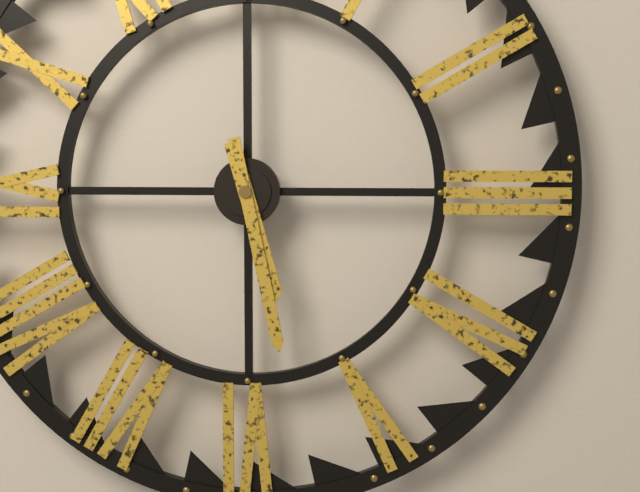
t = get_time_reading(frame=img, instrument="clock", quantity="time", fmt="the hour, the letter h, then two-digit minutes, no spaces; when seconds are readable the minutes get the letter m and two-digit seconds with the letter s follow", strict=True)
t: 5h28
